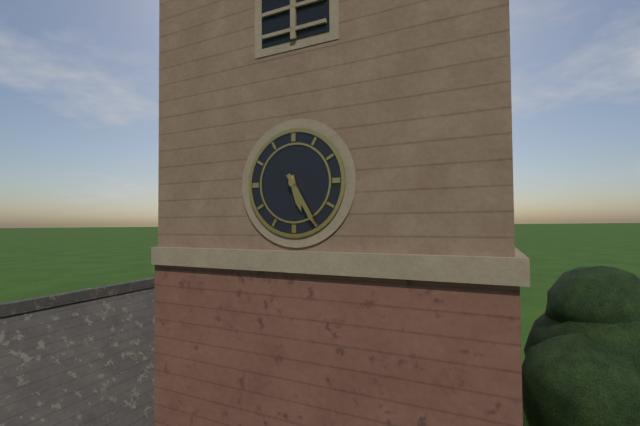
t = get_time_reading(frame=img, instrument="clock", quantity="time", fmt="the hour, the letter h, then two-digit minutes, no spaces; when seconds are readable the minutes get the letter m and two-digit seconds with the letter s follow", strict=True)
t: 5h25
